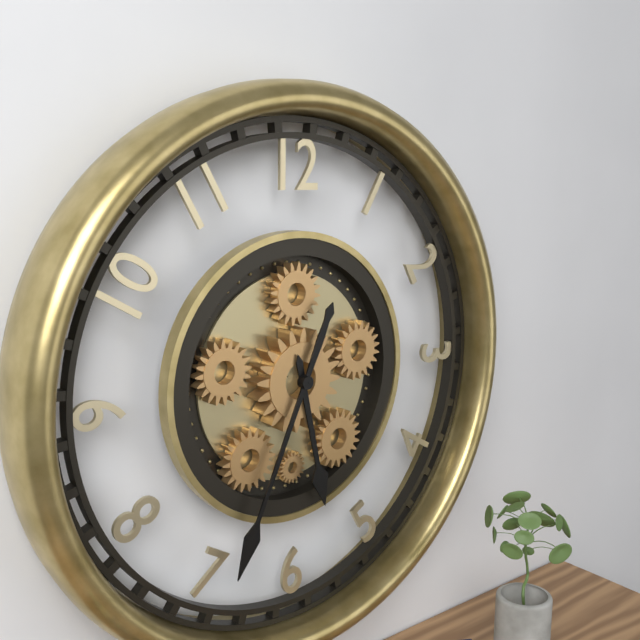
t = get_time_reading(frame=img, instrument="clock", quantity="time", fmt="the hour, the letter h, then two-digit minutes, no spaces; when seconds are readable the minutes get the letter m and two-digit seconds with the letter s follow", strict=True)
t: 5h34
